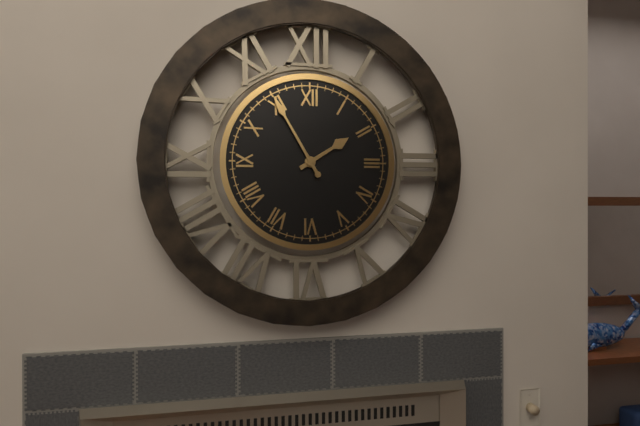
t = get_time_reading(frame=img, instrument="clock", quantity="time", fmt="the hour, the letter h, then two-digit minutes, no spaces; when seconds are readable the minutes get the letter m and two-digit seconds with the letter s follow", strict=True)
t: 1h55
